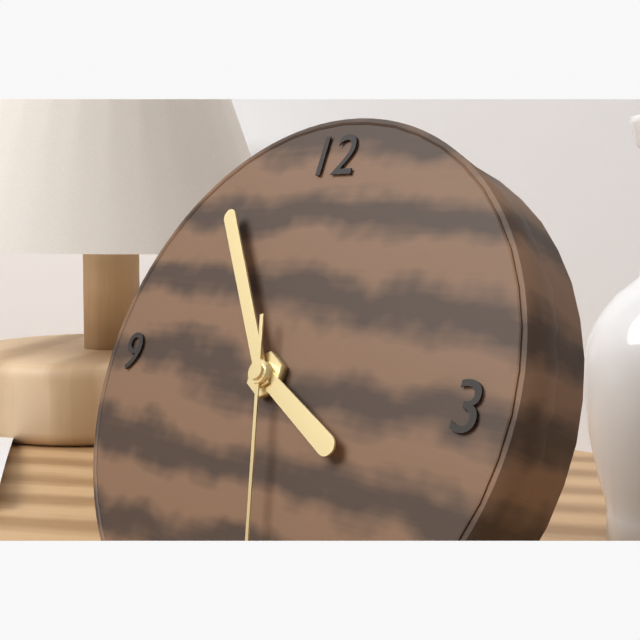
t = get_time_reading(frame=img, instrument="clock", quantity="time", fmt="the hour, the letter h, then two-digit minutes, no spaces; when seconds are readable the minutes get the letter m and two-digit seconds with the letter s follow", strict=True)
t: 3h54
